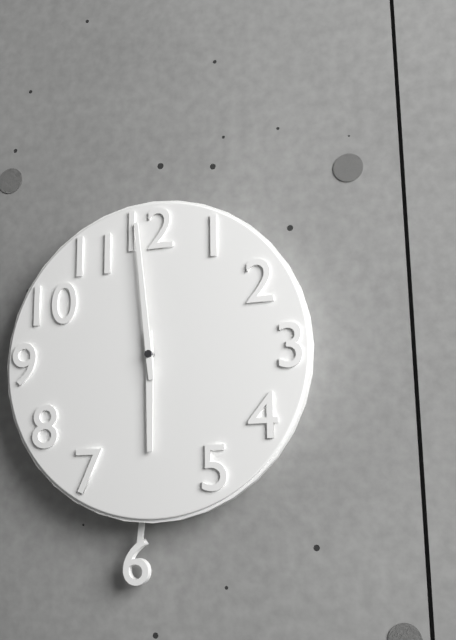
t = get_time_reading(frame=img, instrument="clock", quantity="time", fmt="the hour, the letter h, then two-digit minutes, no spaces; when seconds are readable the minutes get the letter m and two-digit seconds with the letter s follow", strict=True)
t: 5h59
